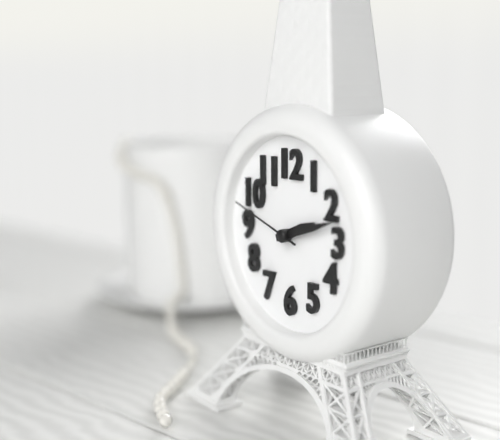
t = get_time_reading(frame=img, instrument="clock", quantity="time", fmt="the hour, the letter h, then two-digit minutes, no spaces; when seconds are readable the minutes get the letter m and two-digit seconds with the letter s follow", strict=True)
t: 2h12m48s
